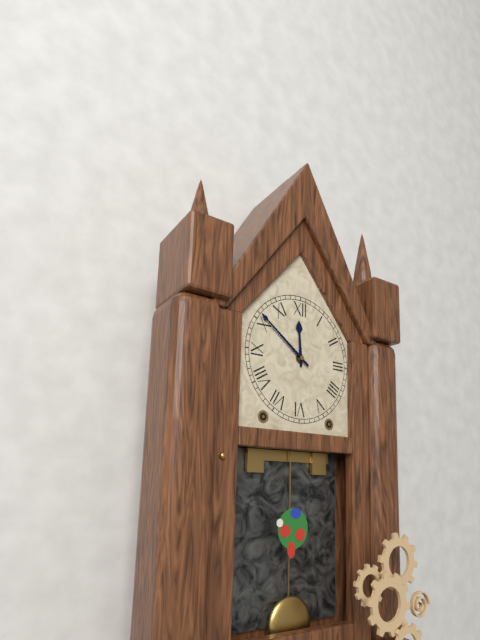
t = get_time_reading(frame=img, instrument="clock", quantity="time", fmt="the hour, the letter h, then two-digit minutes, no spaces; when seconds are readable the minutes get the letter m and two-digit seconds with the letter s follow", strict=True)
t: 11h51
